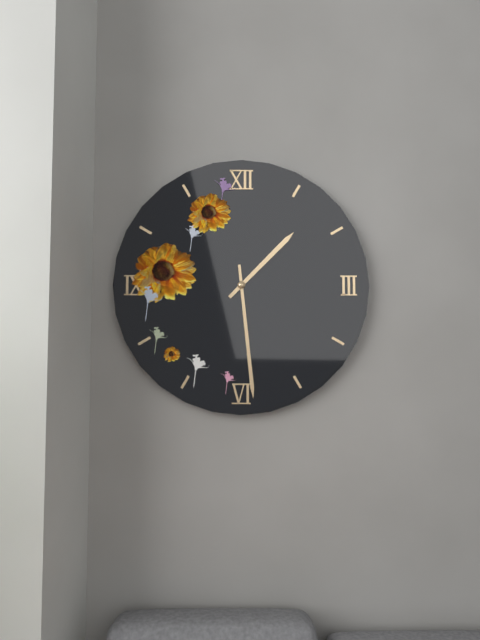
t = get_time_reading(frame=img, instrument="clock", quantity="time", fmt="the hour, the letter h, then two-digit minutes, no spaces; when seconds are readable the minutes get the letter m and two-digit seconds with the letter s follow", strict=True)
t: 1h29
